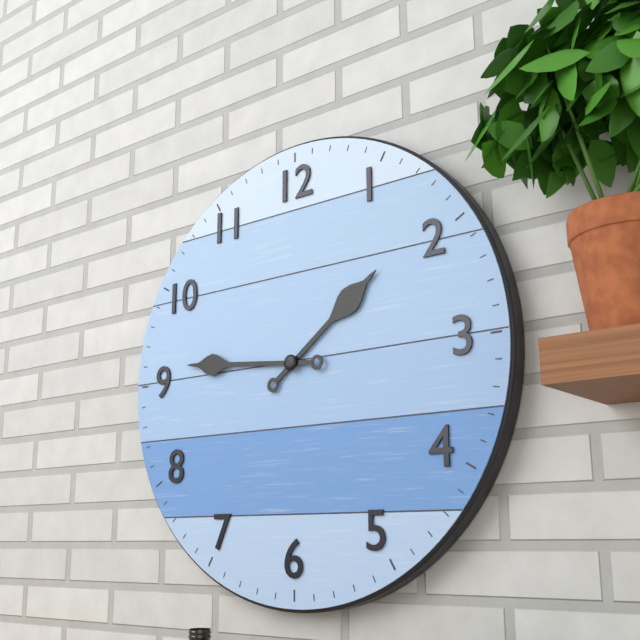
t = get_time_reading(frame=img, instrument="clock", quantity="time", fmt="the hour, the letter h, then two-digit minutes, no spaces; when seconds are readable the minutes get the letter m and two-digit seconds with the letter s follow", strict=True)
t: 1h46
